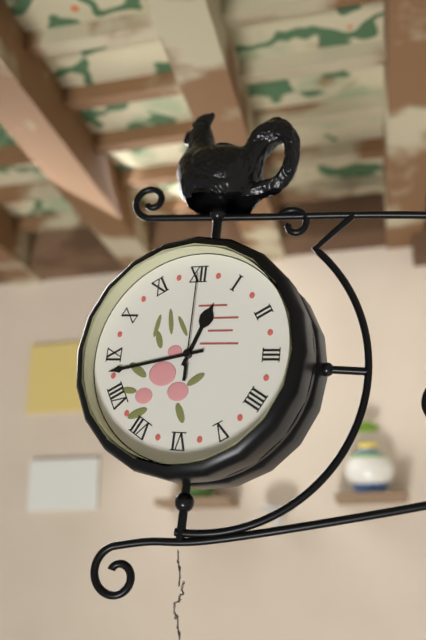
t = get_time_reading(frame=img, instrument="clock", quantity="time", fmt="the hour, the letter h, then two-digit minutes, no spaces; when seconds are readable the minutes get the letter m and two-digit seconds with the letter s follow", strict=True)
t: 12h43m00s
